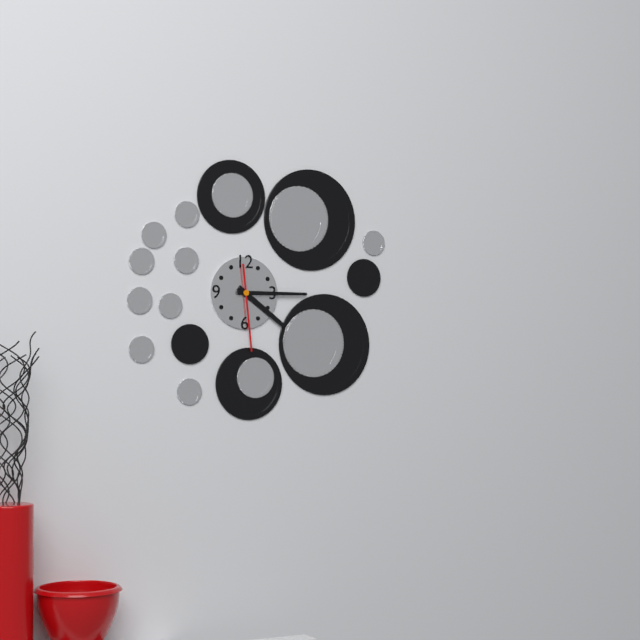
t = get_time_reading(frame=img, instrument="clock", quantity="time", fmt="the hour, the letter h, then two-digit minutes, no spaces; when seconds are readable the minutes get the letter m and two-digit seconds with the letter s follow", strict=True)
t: 4h15m29s
